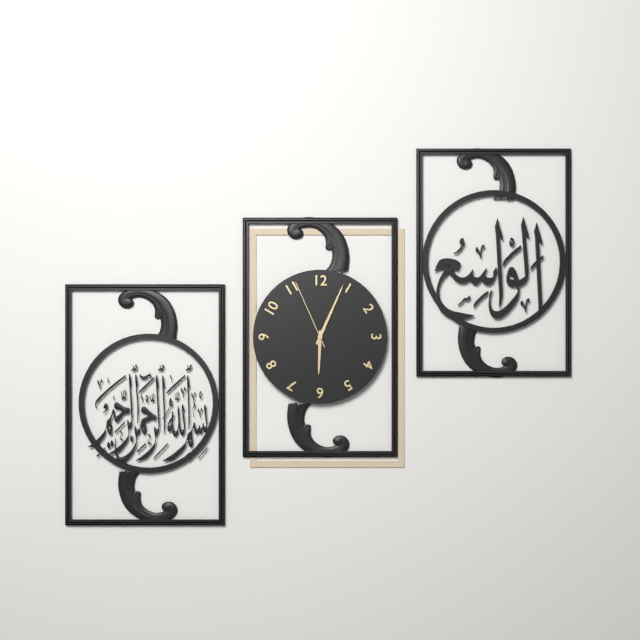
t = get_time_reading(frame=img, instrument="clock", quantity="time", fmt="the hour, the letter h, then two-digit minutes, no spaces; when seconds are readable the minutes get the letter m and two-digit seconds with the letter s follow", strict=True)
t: 6h04m56s
